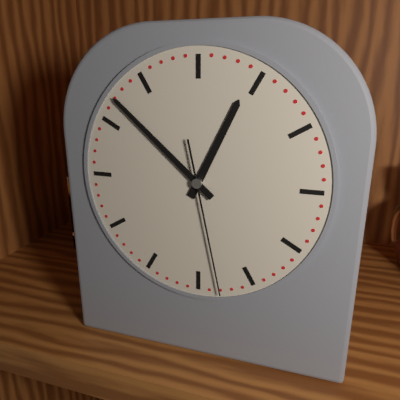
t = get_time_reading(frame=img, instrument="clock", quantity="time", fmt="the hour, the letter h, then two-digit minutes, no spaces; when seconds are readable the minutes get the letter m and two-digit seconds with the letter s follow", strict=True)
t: 12h52m28s
